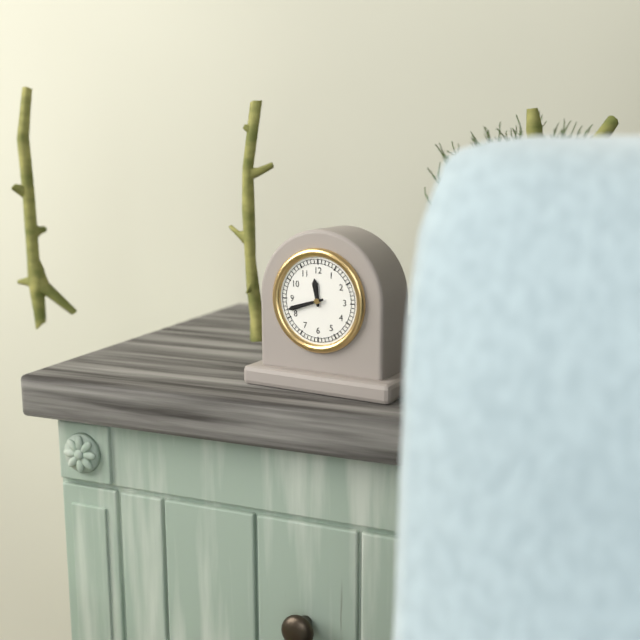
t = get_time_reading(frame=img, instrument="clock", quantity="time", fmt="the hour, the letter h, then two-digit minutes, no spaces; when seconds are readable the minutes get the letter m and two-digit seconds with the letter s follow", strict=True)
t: 11h42
